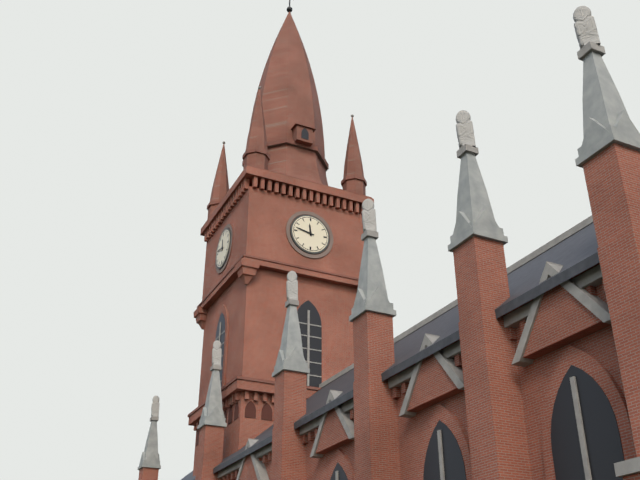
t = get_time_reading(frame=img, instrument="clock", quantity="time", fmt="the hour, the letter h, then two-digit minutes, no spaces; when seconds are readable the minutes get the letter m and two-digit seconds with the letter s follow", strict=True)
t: 11h47
